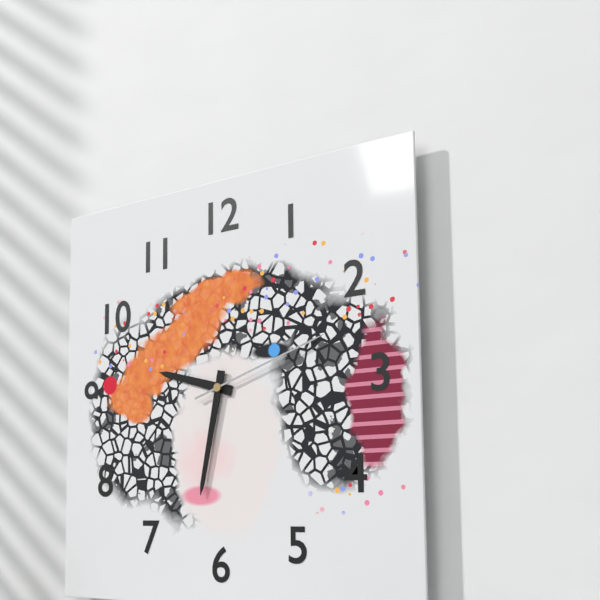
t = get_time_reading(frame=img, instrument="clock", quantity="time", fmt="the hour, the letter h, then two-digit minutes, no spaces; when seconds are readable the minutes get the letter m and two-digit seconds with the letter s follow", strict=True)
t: 9h32m12s
